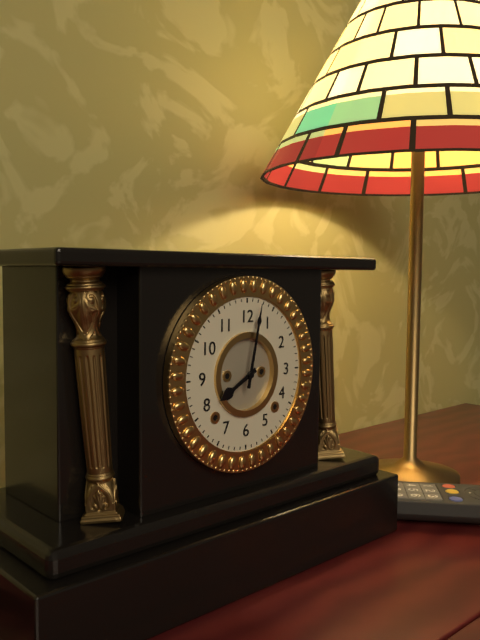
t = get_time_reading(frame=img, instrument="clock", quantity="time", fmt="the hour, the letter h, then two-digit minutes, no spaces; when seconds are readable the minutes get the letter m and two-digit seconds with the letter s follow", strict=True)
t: 8h02
